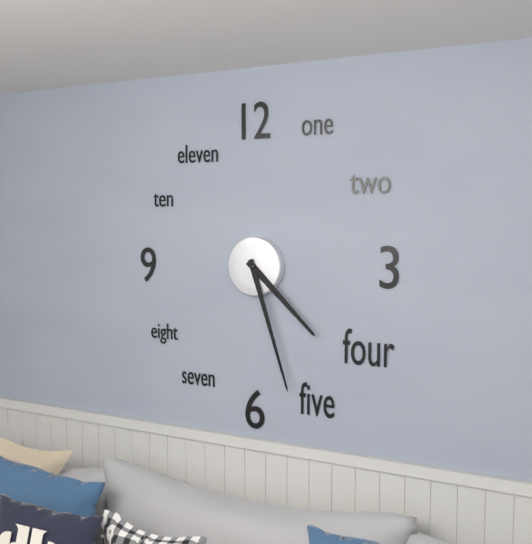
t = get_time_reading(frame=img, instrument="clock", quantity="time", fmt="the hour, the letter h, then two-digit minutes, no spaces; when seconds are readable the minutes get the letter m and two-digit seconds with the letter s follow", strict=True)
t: 4h27
